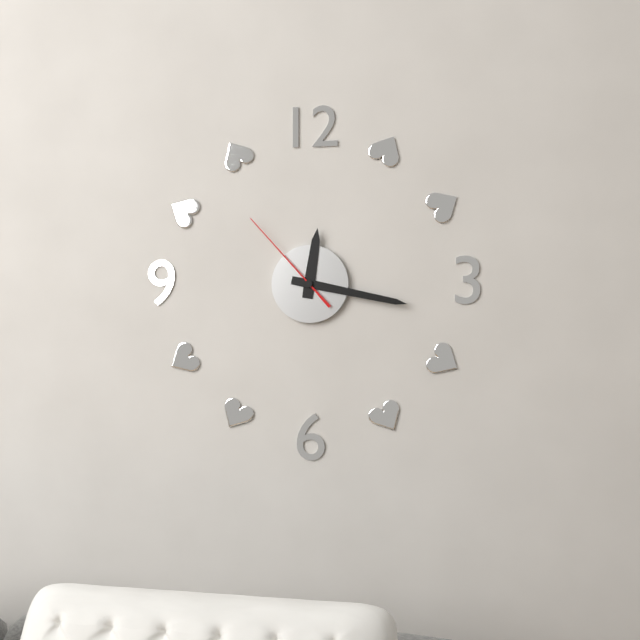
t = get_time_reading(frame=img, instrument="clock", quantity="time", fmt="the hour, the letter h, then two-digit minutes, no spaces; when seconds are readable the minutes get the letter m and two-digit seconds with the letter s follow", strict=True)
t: 12h17m53s
